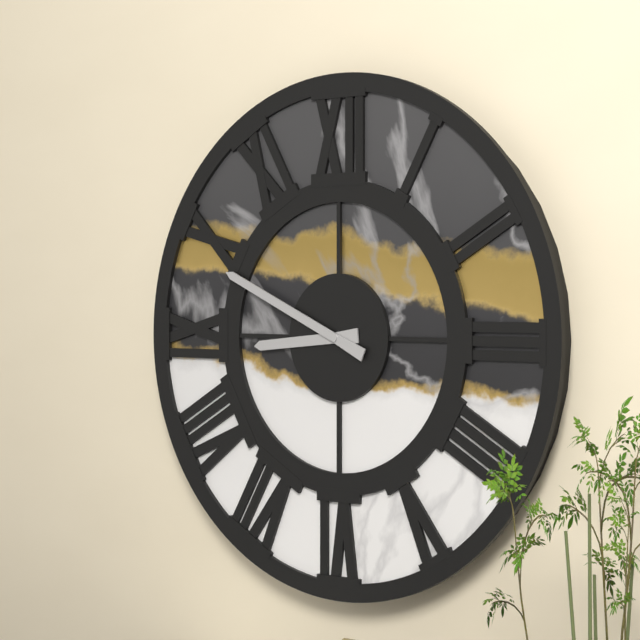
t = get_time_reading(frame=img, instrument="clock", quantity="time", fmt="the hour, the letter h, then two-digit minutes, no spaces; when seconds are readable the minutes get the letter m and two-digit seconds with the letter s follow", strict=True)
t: 8h49
